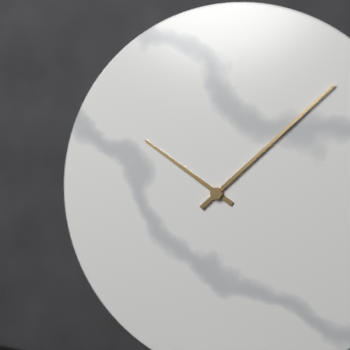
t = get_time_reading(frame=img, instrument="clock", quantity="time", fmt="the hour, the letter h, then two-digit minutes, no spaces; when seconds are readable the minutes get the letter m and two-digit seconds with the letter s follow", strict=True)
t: 10h08
